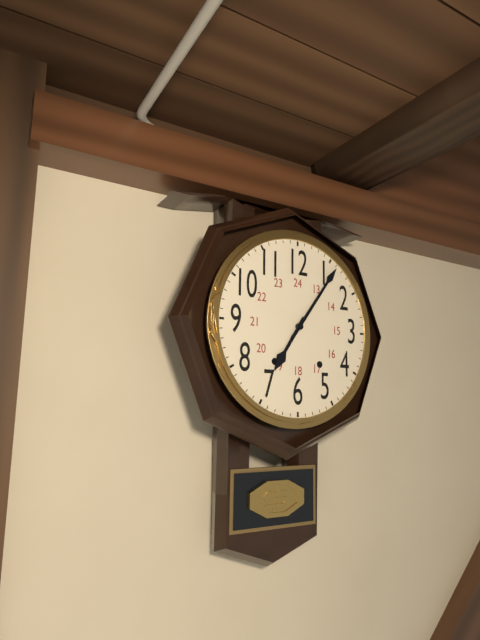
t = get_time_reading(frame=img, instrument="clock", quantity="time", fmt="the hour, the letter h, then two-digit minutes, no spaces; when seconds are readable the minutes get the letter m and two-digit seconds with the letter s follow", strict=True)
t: 7h06
